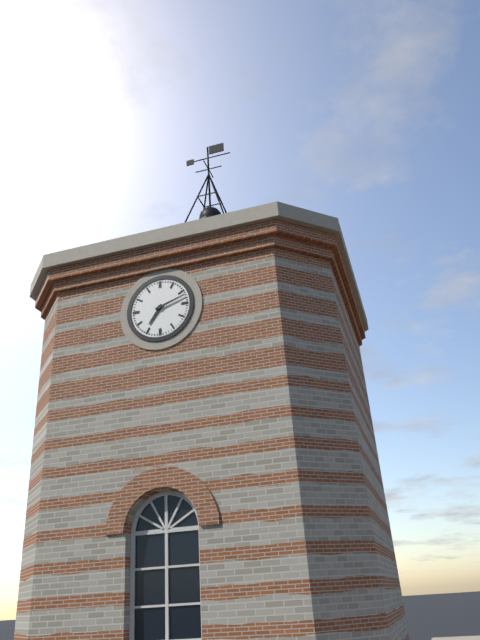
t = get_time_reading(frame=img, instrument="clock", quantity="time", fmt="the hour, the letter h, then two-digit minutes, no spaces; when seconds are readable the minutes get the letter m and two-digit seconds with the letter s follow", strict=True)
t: 7h12
